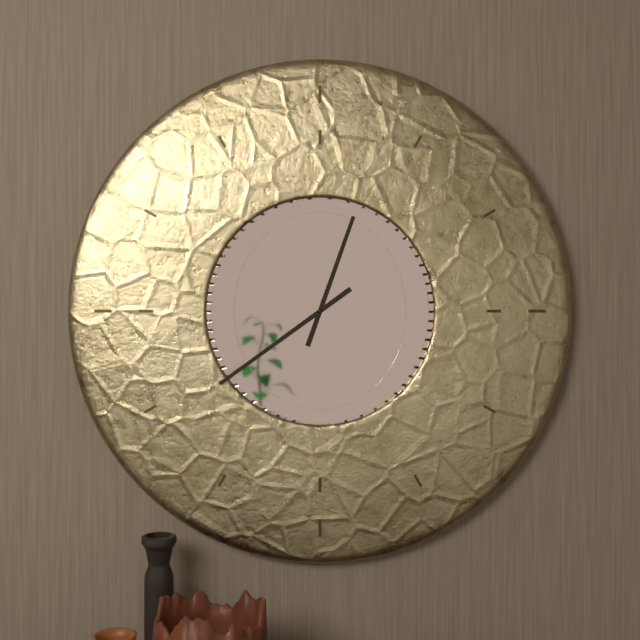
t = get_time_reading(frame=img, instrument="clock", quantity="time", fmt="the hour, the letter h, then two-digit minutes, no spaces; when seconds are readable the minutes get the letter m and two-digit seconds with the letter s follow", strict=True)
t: 12h39
